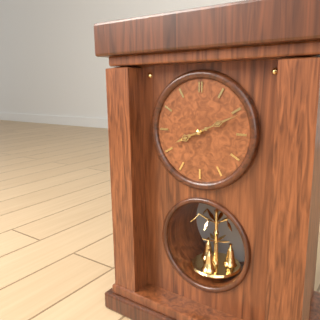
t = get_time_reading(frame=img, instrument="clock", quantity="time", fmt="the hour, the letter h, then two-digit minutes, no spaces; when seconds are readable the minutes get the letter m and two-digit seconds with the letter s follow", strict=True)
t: 8h11
